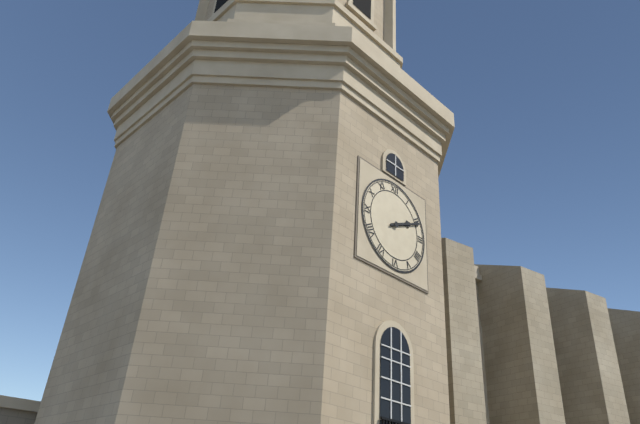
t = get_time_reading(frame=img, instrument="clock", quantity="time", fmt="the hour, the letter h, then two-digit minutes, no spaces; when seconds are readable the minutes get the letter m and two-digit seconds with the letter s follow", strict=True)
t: 2h11
